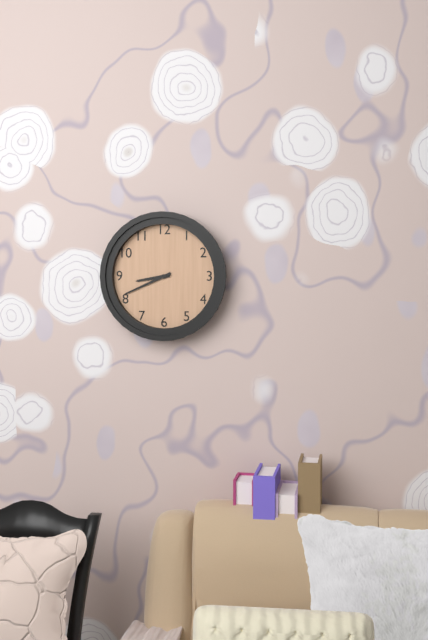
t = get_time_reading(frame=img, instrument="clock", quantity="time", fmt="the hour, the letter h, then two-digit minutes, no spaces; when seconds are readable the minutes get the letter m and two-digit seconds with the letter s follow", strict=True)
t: 8h41
